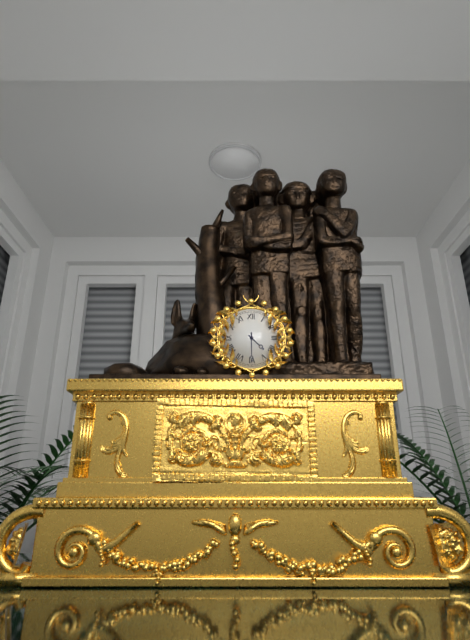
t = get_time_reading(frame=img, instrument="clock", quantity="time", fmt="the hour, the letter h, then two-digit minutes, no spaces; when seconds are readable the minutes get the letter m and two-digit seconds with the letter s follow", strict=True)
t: 4h30
